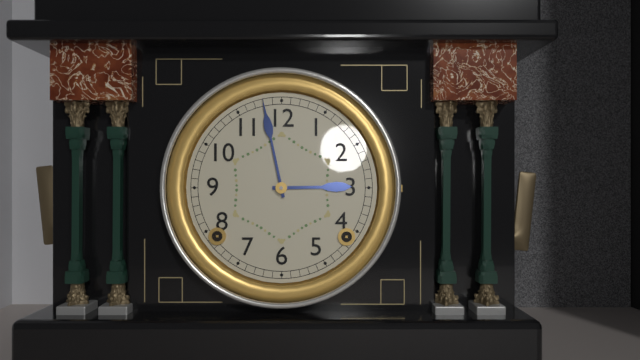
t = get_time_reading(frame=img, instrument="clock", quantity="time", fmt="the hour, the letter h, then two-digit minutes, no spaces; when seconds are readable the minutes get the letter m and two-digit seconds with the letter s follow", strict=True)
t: 2h58
